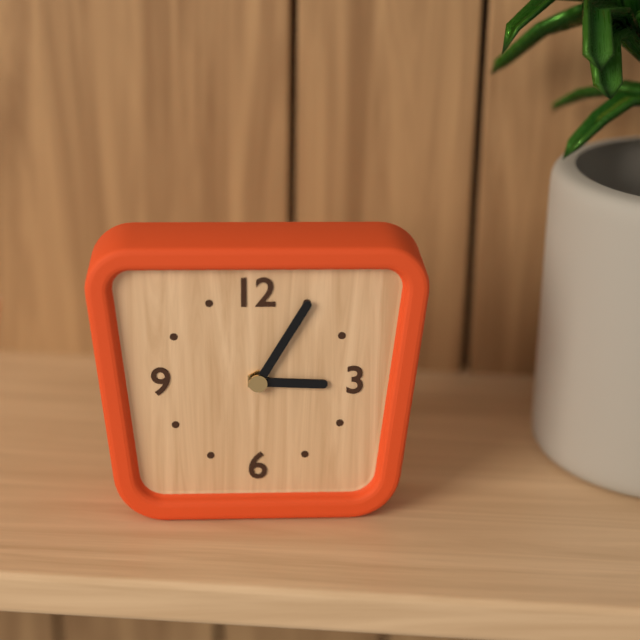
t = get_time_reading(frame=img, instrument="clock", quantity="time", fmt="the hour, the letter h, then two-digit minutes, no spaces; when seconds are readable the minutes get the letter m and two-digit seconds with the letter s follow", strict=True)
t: 3h05
